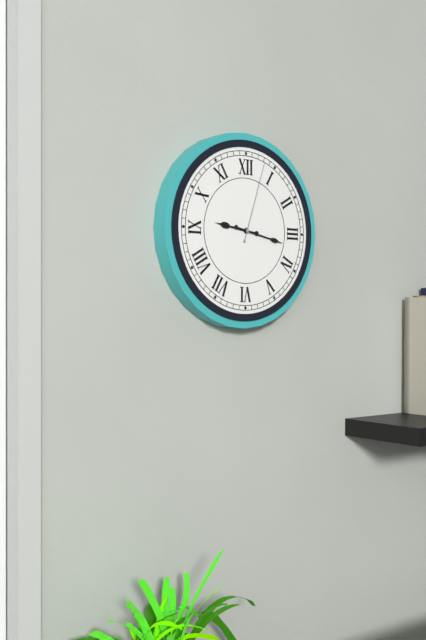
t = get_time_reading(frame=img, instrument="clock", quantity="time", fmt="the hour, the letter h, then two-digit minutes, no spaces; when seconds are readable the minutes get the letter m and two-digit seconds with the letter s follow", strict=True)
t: 9h17m03s
